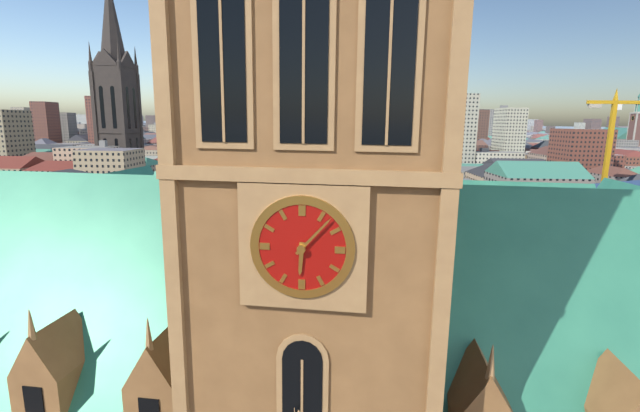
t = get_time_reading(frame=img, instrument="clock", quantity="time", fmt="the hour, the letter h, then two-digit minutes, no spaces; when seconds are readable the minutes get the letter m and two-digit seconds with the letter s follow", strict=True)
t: 6h07
